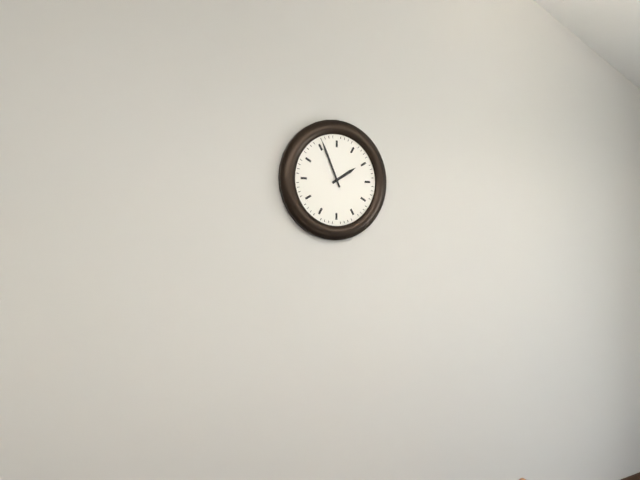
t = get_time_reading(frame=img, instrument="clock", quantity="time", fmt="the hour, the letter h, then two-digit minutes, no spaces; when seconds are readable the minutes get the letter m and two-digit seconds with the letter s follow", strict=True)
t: 1h56
